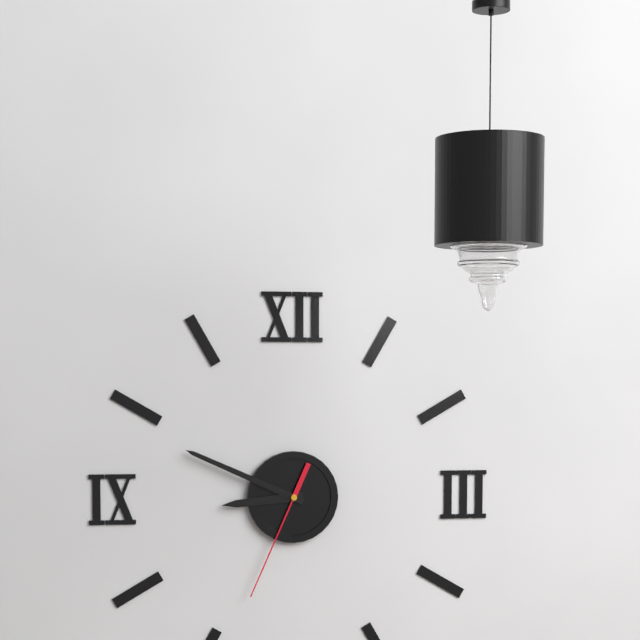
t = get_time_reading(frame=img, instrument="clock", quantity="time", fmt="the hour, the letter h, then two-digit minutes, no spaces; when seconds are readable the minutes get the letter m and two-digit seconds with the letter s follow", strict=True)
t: 8h49m34s
